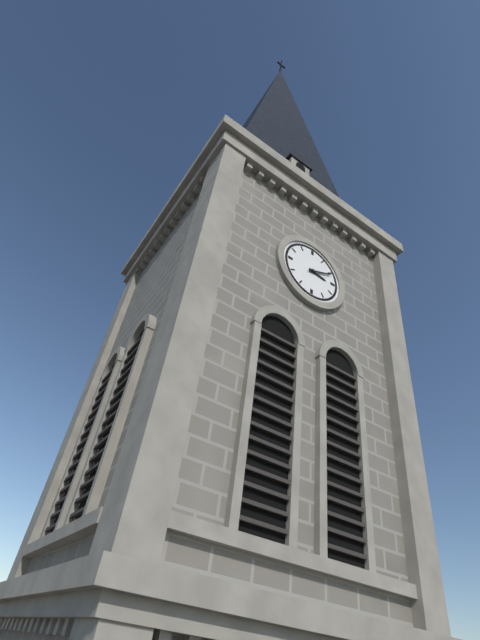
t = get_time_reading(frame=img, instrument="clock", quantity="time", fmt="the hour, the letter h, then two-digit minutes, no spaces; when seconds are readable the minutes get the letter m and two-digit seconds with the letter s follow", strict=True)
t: 3h11
